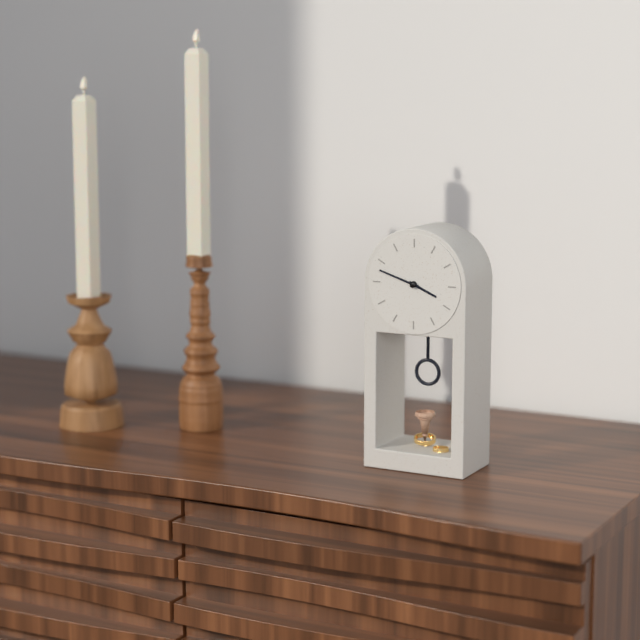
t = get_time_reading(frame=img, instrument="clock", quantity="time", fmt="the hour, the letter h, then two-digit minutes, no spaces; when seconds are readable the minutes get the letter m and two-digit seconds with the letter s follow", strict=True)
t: 3h48
